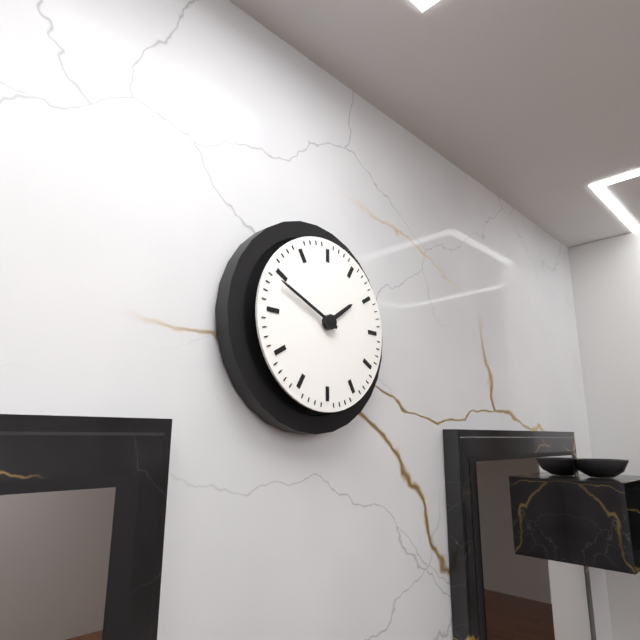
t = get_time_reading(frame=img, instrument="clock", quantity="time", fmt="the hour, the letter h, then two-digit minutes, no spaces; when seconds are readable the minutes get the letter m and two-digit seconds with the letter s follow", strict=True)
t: 1h49
